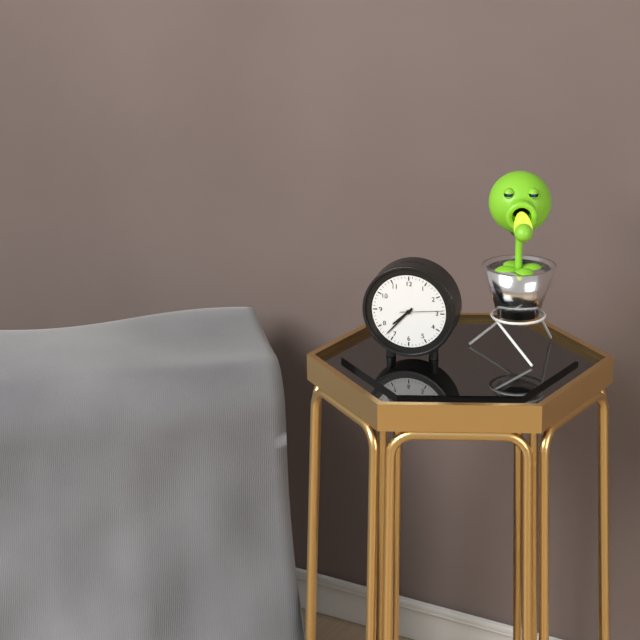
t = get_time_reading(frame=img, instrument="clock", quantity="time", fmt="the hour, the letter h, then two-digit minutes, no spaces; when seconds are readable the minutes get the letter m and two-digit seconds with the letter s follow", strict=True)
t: 7h37
